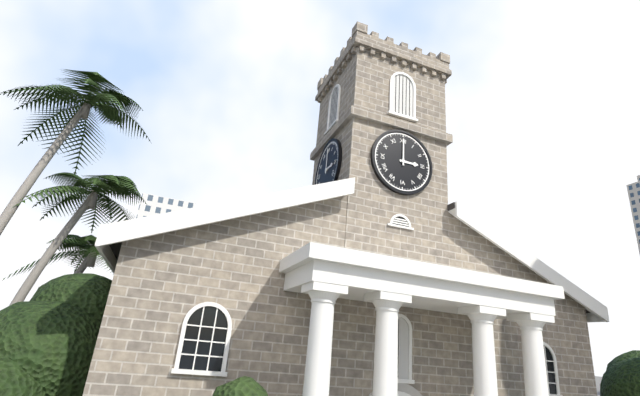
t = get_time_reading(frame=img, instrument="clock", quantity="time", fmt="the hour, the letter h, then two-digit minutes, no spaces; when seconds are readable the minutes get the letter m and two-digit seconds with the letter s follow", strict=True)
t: 3h00
